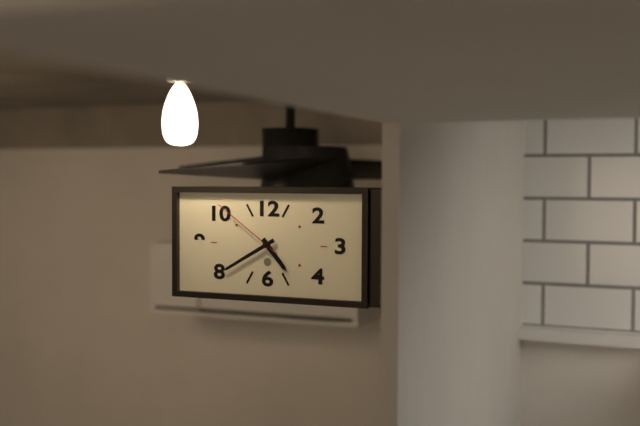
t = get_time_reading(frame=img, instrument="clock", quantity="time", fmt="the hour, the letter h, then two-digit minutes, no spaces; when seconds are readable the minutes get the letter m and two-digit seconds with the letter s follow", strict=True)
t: 4h40m51s
